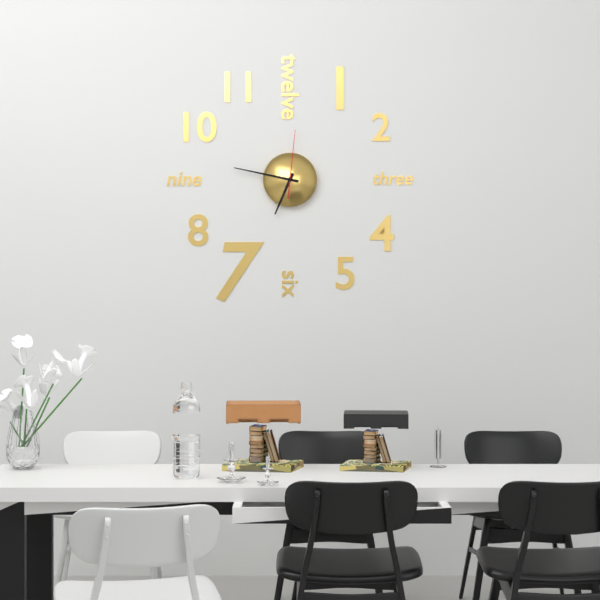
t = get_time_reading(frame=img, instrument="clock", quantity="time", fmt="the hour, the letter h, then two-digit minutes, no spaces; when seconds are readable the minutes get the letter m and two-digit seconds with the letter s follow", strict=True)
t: 6h47m01s
